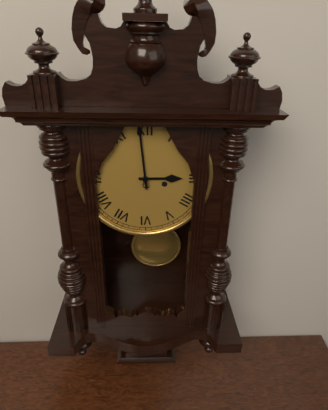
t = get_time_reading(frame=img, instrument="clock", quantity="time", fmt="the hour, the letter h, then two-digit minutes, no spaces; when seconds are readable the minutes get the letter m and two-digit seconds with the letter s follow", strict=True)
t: 2h59
